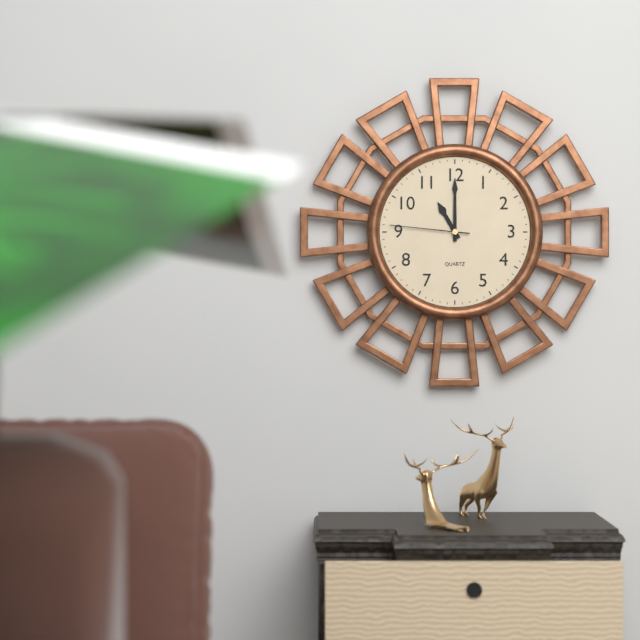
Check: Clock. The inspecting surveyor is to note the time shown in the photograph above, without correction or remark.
11:00:46
